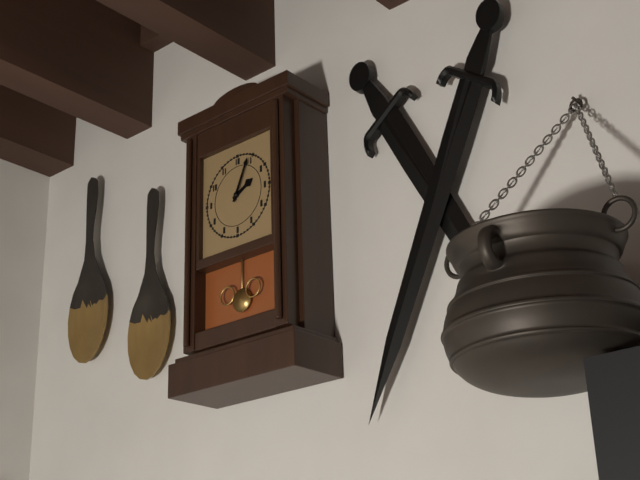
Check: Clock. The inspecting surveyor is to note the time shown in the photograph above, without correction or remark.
2:04
